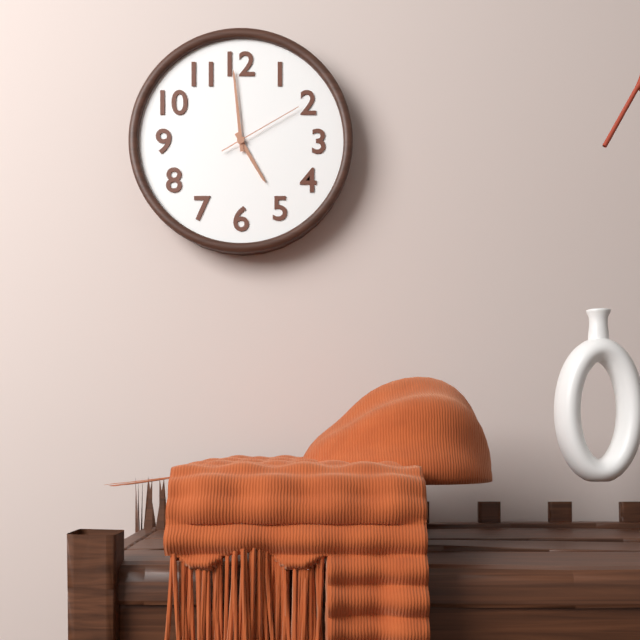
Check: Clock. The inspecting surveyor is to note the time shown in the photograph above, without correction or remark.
4:59:10
